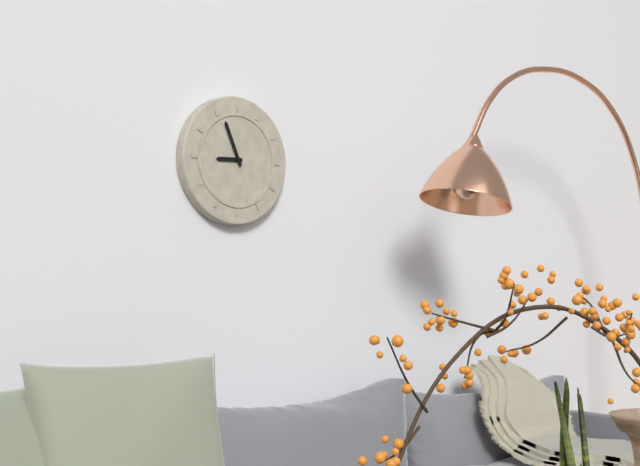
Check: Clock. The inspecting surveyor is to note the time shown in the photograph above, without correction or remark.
8:56
